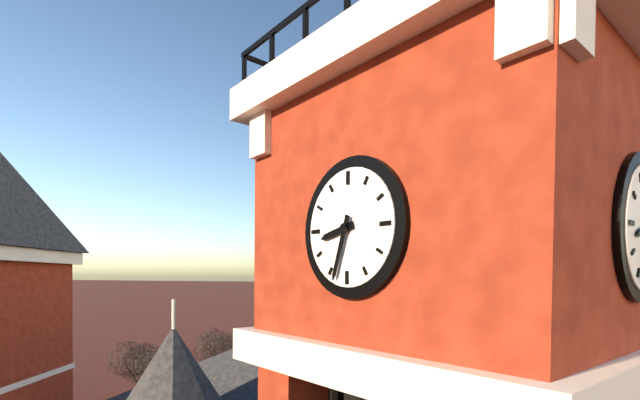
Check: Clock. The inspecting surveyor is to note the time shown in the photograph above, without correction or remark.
8:33
